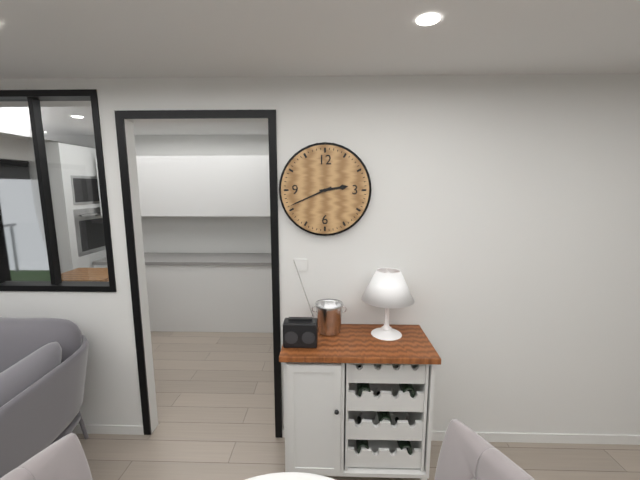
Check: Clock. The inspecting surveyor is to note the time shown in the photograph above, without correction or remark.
2:41
